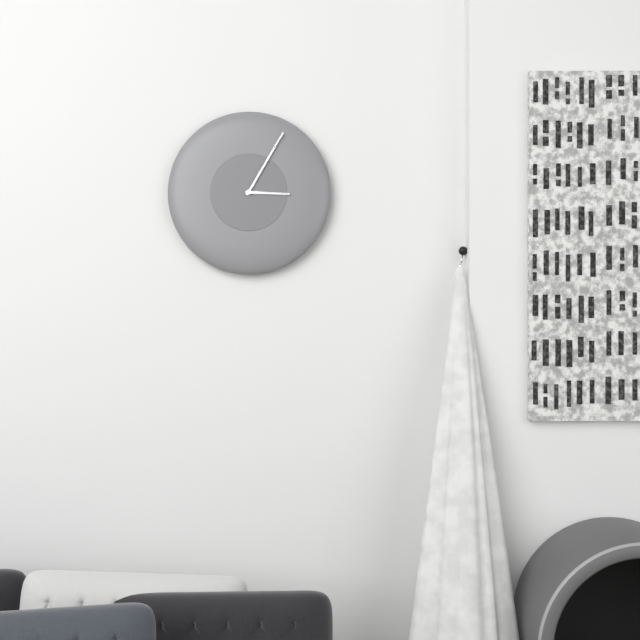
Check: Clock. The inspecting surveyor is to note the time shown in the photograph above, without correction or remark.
3:05
